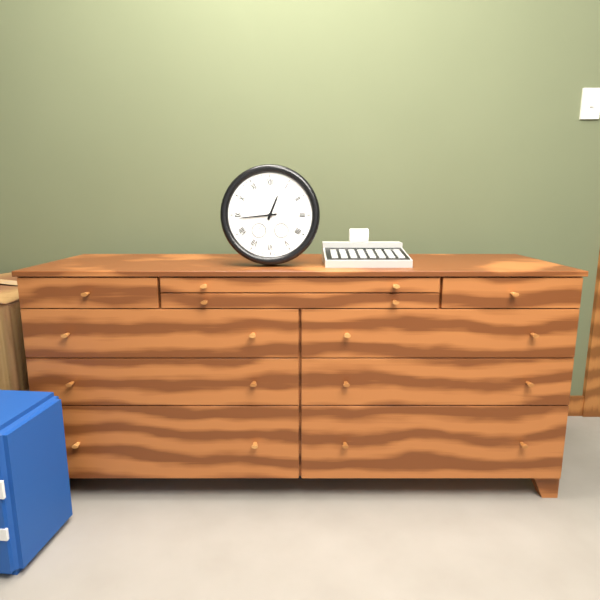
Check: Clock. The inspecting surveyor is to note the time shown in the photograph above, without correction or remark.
12:44
